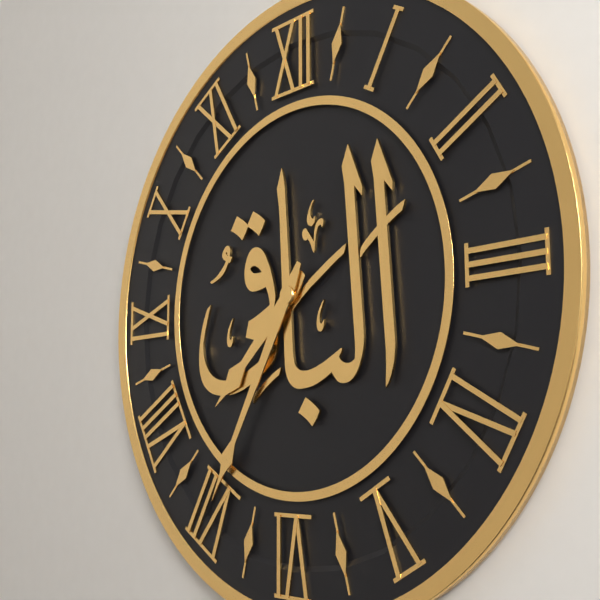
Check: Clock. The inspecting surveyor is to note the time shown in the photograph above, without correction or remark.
7:35
